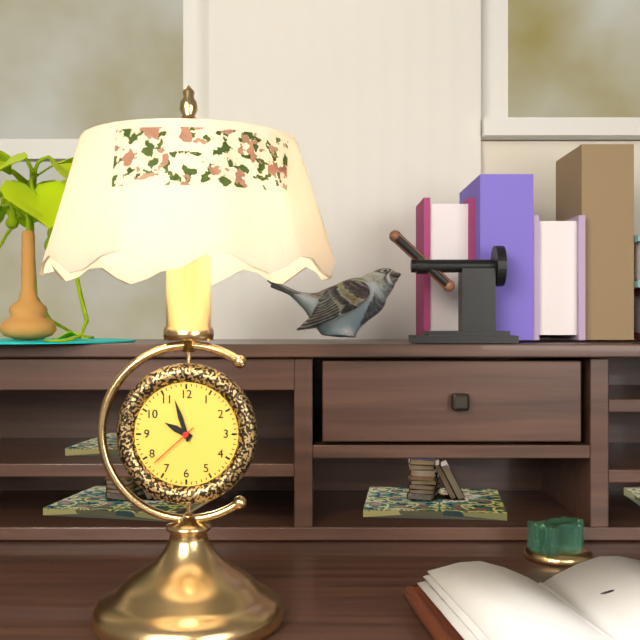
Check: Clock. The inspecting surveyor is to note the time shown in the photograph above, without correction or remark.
9:57:38
